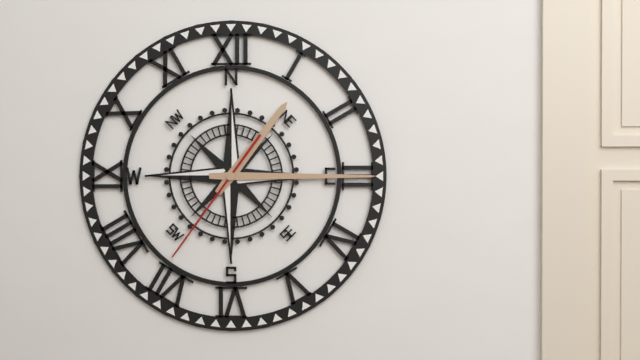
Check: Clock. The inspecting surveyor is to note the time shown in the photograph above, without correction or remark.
1:15:36
